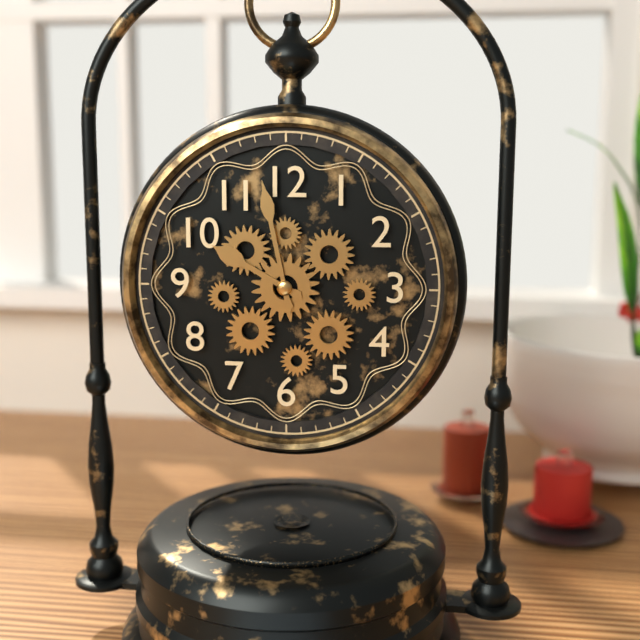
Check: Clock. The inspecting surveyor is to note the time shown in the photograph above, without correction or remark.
9:58
